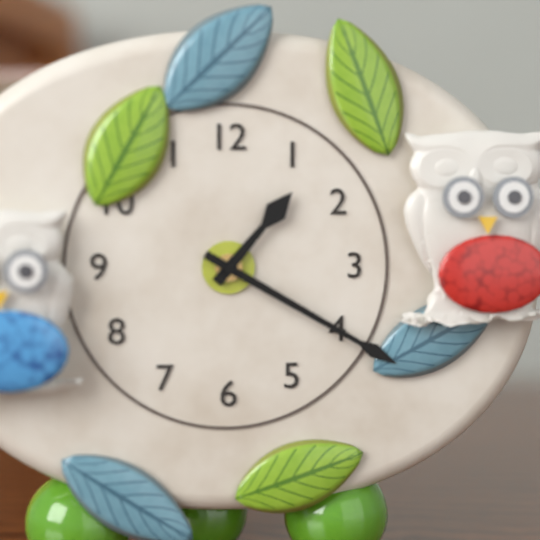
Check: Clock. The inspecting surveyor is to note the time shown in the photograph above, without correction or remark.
1:20
